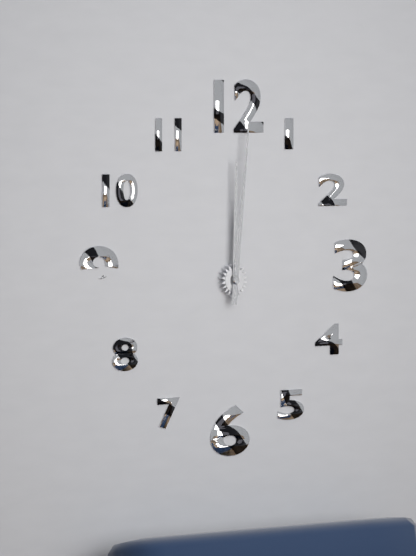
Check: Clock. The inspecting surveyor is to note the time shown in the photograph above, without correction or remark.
12:01
